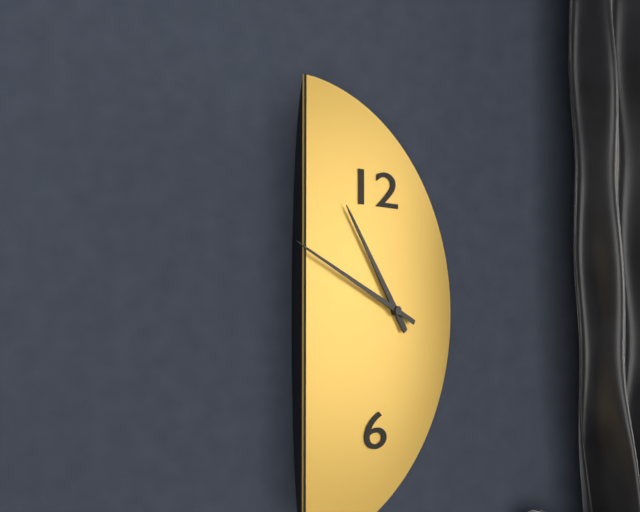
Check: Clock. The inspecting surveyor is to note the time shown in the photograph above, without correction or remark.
10:49
